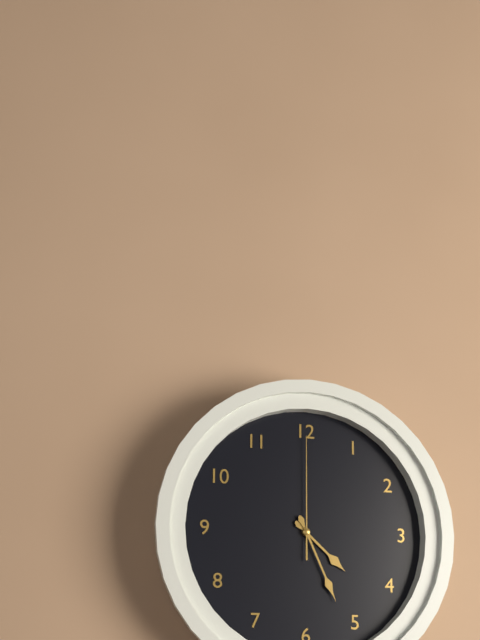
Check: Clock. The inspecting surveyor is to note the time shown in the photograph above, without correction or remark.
4:26:00
